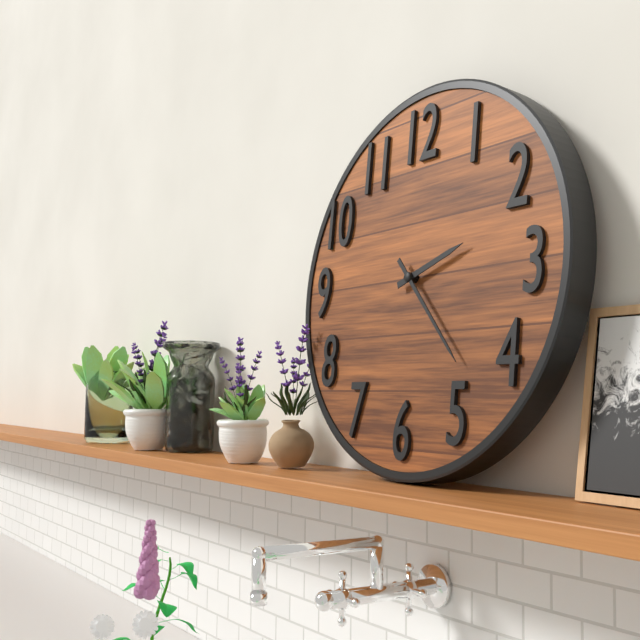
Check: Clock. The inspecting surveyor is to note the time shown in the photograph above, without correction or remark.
2:23
